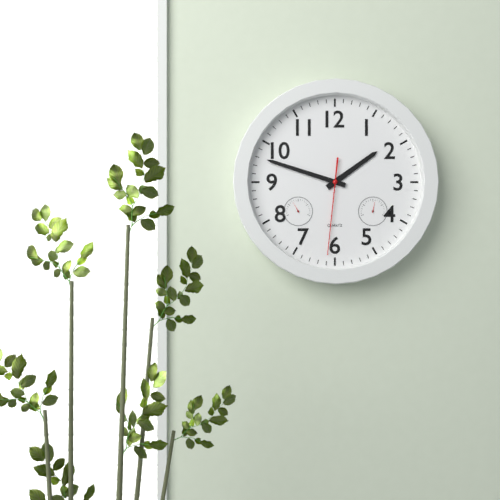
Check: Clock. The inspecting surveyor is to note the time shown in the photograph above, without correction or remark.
1:48:31
